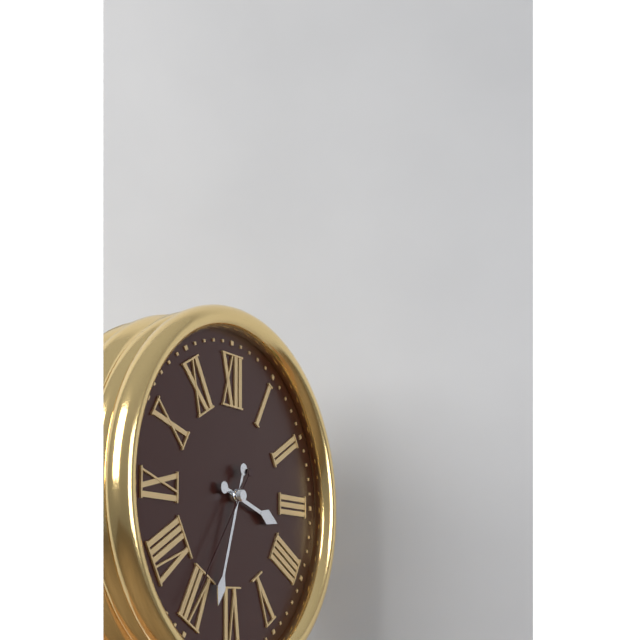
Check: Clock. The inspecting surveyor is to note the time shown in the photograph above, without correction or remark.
3:33:36
